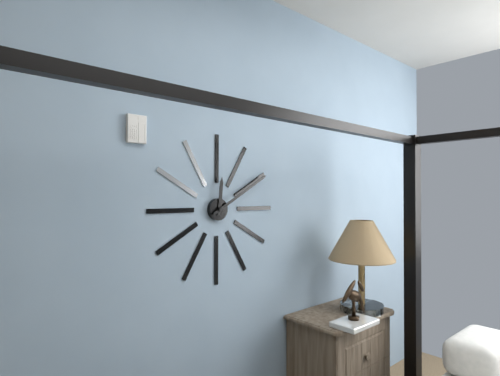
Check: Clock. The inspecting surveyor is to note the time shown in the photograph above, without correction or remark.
12:10
